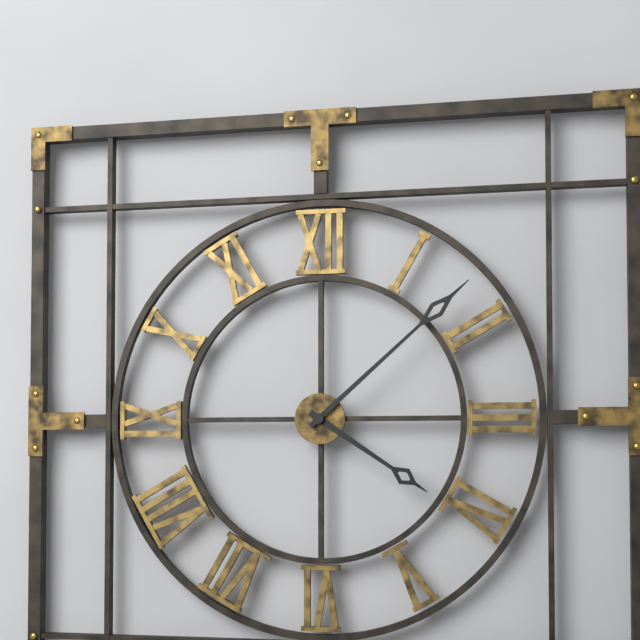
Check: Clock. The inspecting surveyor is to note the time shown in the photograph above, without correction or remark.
4:08
